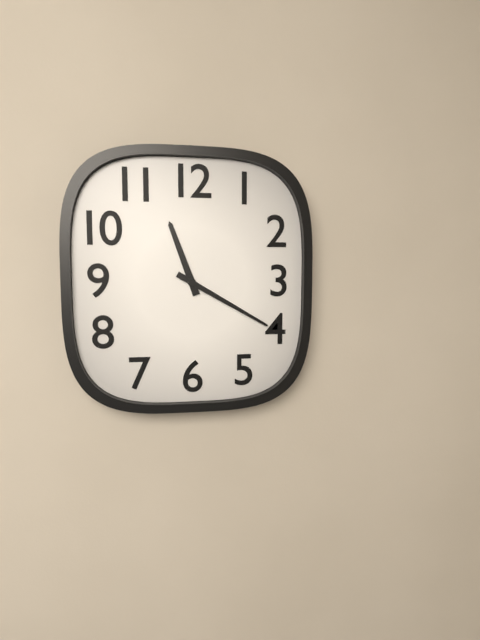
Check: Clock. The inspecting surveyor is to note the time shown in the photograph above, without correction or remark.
11:20
